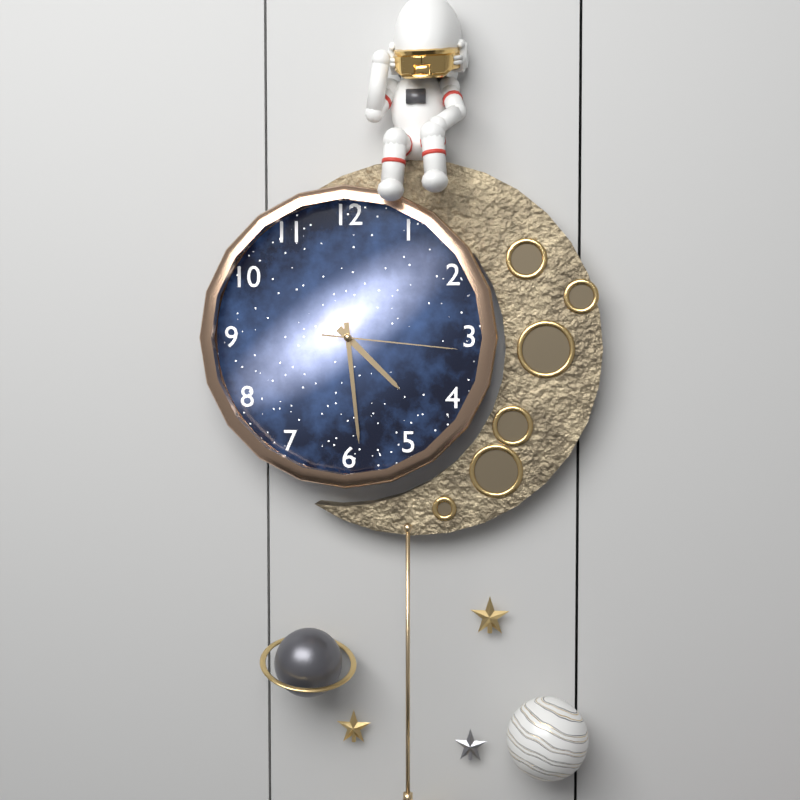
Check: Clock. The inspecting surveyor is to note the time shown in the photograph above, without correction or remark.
4:29:16
